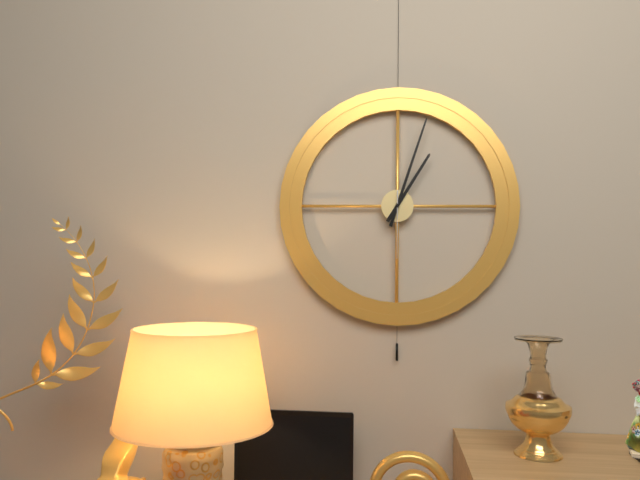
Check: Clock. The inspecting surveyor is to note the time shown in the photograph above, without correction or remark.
1:03:30
